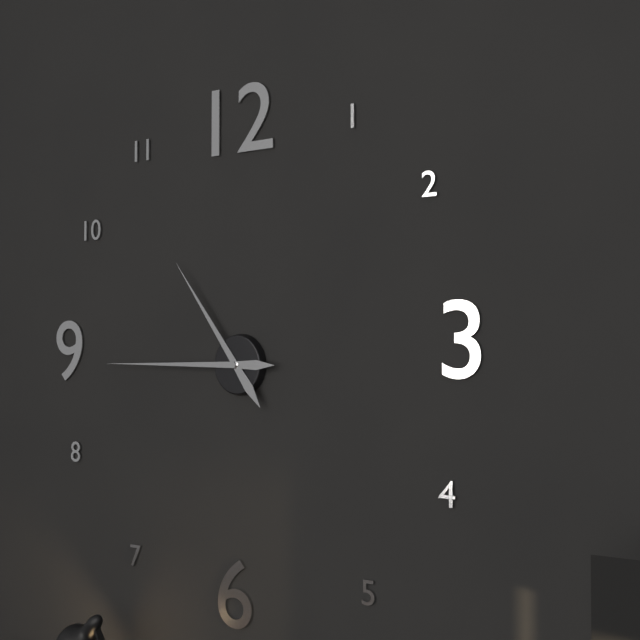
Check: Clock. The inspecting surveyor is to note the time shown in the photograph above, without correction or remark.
10:45
